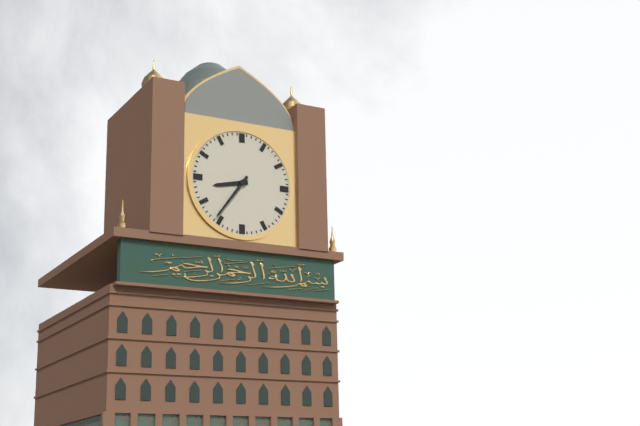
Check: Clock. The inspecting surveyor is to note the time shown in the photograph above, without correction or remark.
8:36
